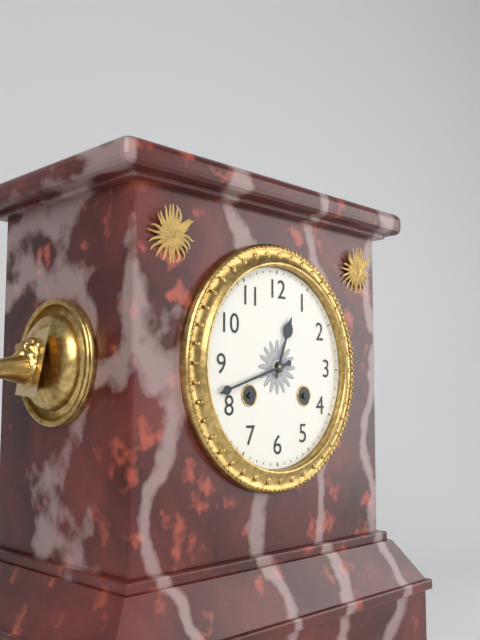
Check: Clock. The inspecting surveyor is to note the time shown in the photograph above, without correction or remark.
12:42
